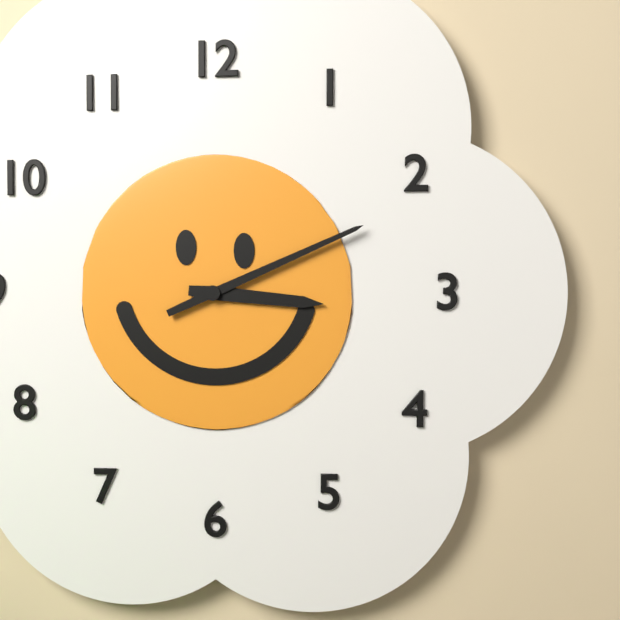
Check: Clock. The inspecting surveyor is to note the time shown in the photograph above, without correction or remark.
3:11
